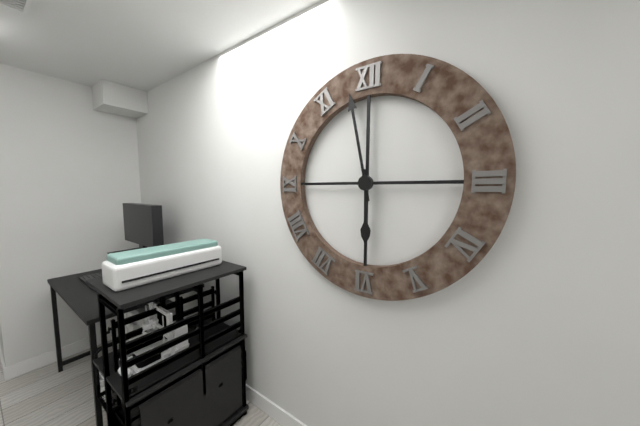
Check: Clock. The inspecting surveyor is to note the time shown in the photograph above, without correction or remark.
5:58
